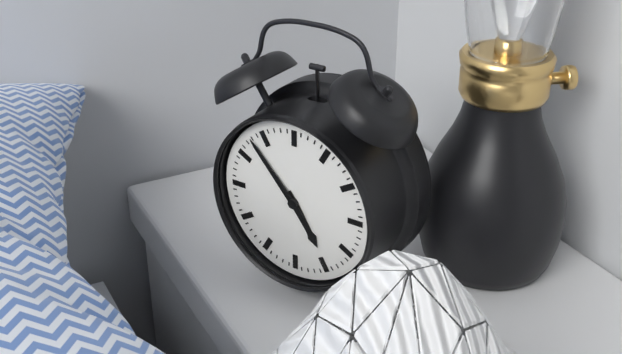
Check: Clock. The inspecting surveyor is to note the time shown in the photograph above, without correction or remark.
4:53
